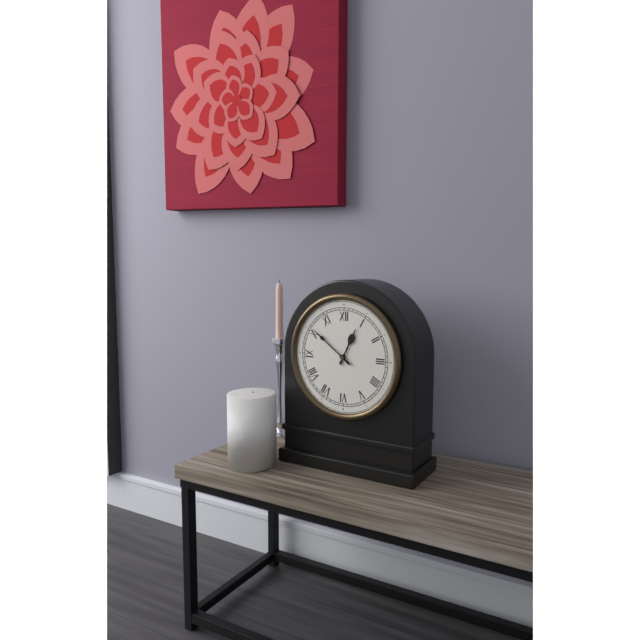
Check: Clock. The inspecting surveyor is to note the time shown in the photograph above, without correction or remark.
12:51
